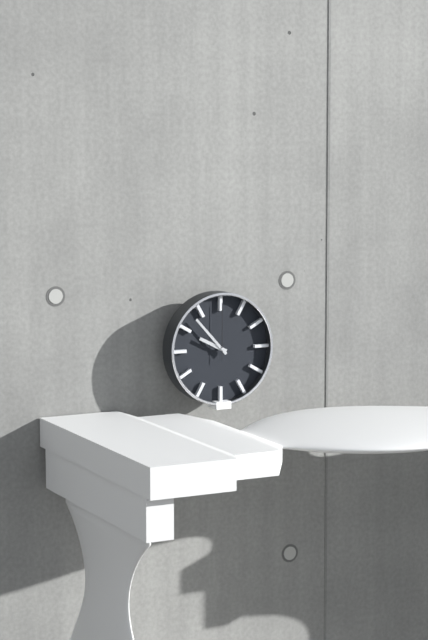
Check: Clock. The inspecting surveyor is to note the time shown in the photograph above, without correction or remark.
9:53:00
